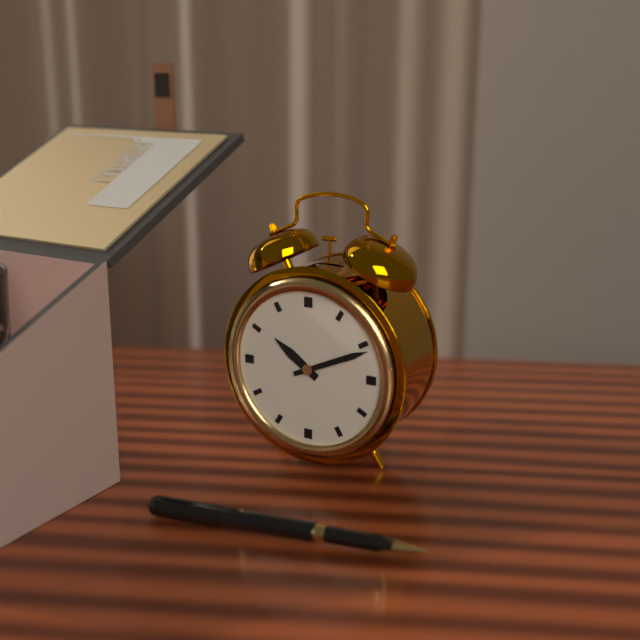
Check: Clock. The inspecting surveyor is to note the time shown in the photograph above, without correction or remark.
10:11
